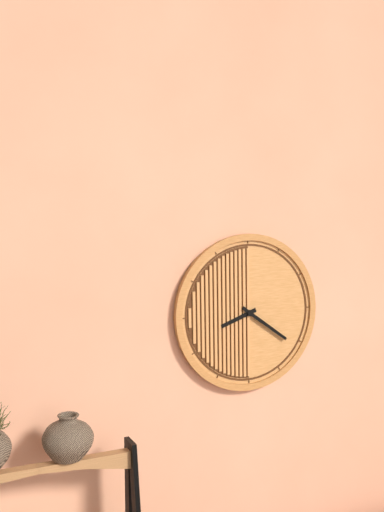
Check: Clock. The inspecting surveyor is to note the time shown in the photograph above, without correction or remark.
8:21
